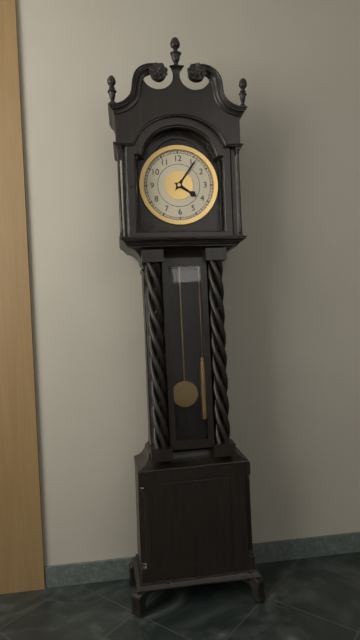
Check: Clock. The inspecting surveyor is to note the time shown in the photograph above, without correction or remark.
4:06
